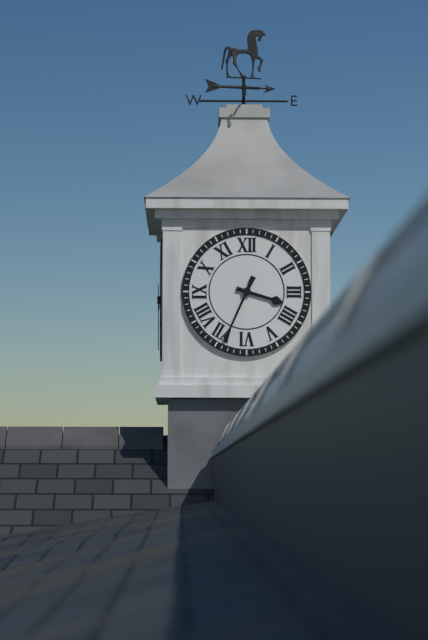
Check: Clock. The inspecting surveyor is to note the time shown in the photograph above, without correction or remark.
3:34
